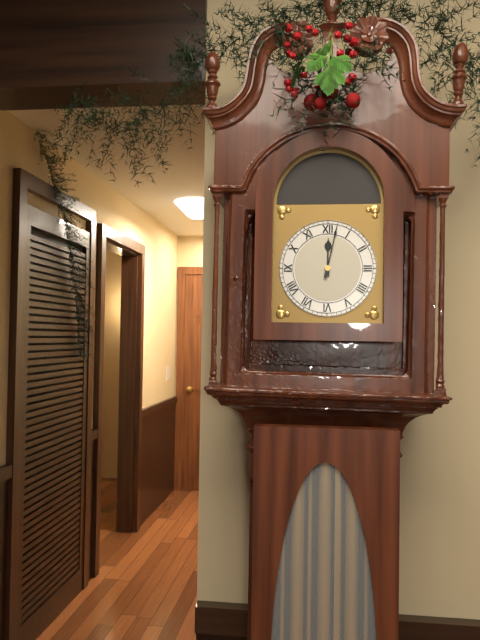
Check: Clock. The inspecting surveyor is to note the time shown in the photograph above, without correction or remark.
12:02
